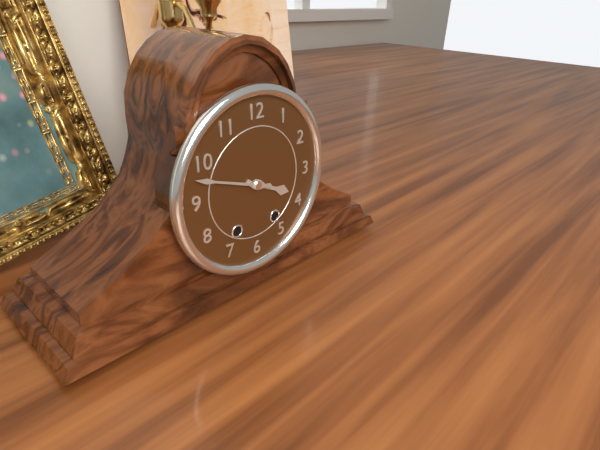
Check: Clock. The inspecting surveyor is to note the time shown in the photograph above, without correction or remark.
3:48
